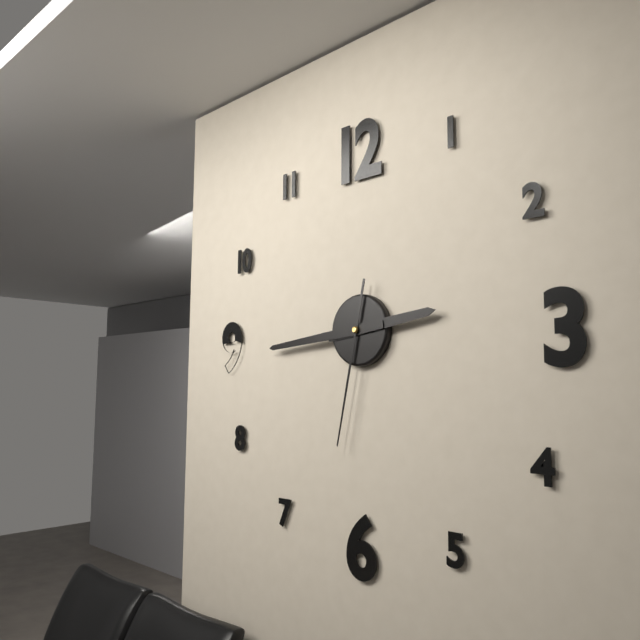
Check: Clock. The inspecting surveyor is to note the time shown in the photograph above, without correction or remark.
2:44:32
